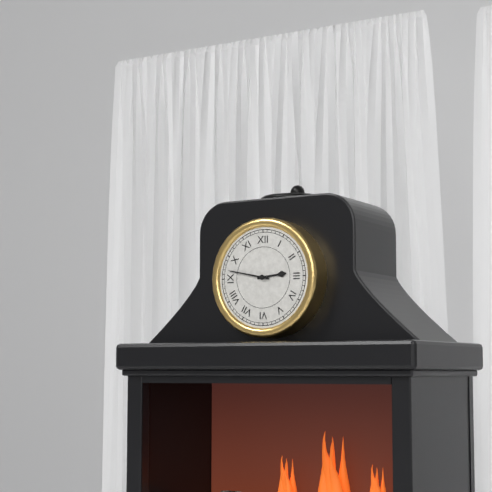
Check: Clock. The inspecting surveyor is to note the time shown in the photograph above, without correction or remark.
2:47
